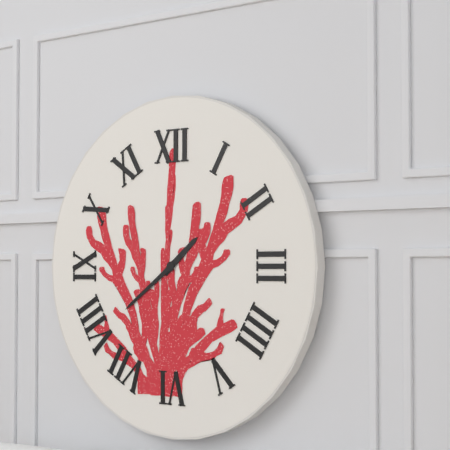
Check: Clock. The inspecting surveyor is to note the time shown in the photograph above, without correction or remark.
1:39
